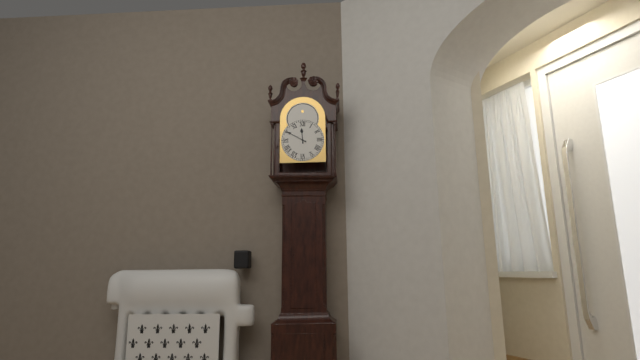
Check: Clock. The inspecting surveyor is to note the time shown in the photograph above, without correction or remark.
11:50
